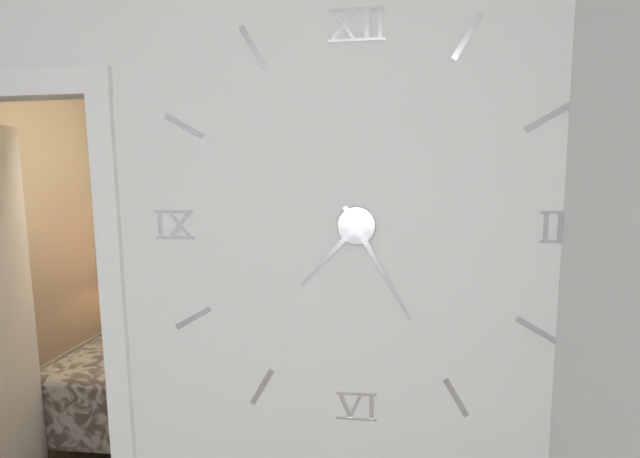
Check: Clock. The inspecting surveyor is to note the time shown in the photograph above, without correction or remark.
7:25
